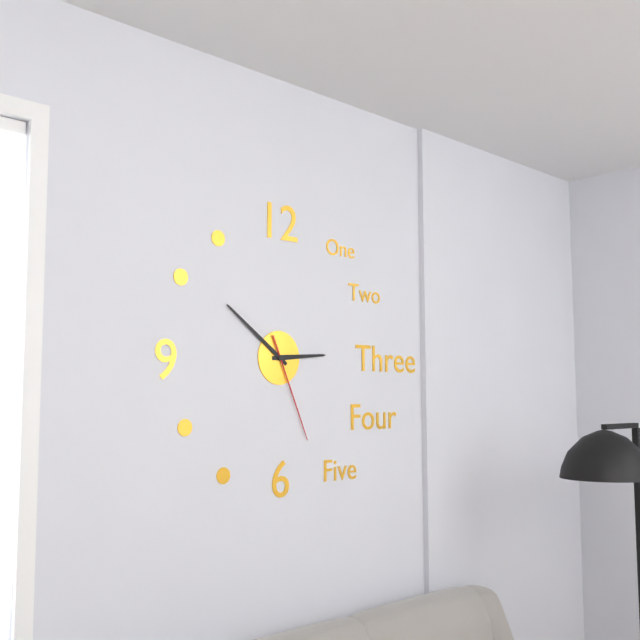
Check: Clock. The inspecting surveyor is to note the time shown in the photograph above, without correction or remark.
2:51:26
